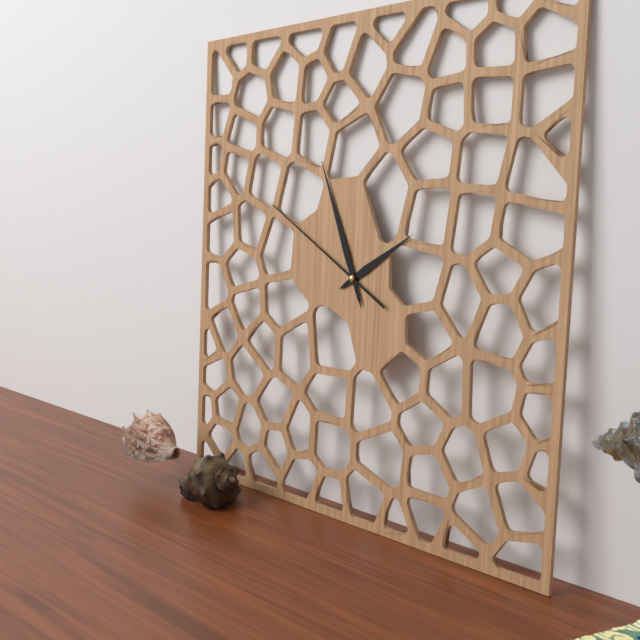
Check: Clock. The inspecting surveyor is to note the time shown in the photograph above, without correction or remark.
1:56:50
